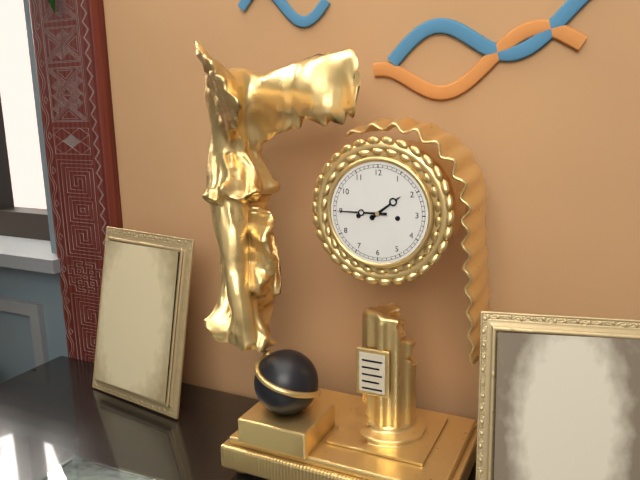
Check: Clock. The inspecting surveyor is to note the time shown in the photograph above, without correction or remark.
1:45
